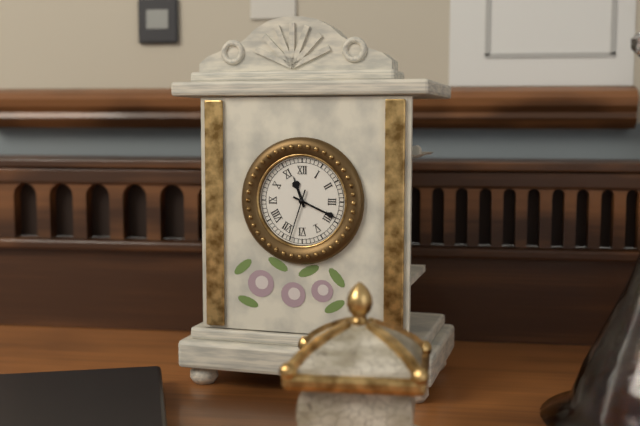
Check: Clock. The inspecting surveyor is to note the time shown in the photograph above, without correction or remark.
11:19:33
